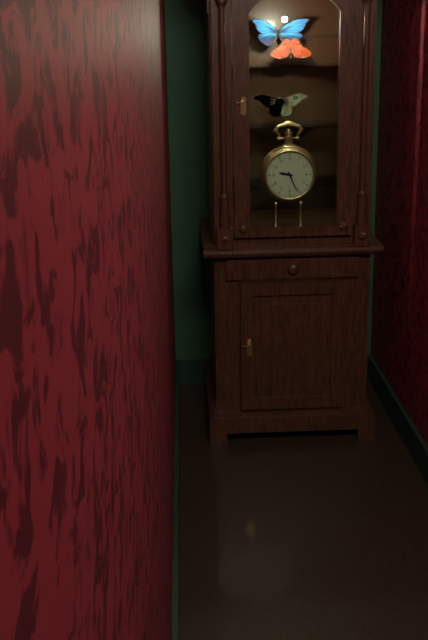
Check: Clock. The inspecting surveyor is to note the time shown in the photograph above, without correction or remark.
9:26
